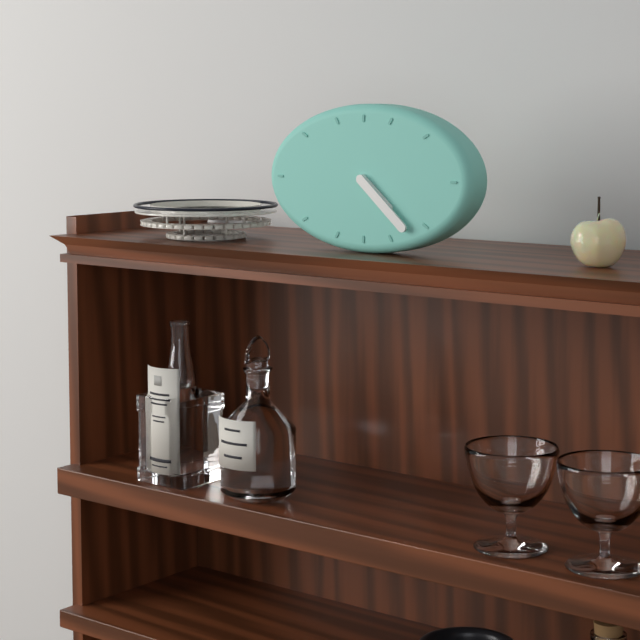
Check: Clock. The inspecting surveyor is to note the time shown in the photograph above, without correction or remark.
4:22
